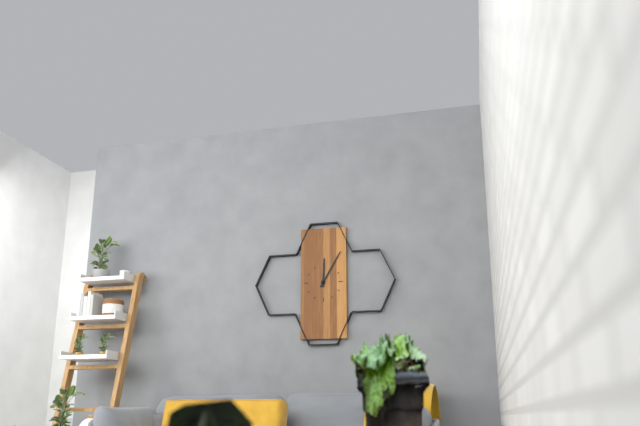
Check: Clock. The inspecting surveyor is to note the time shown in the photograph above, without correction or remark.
12:05
